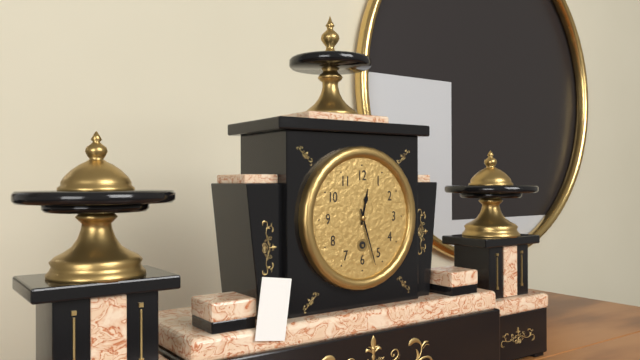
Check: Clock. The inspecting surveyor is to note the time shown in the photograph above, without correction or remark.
12:27
